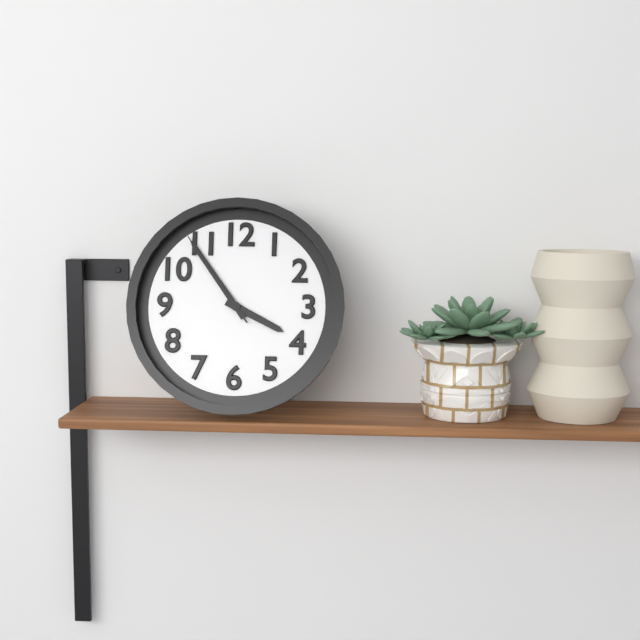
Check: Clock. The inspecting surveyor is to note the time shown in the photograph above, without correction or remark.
3:54:54
